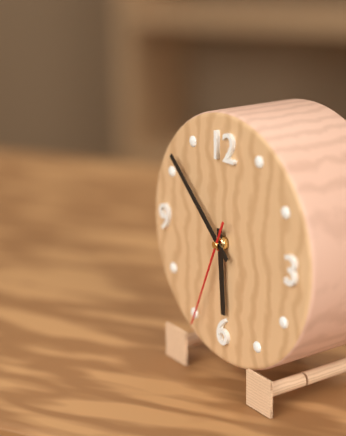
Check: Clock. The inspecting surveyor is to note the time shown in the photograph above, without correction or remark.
5:52:34
